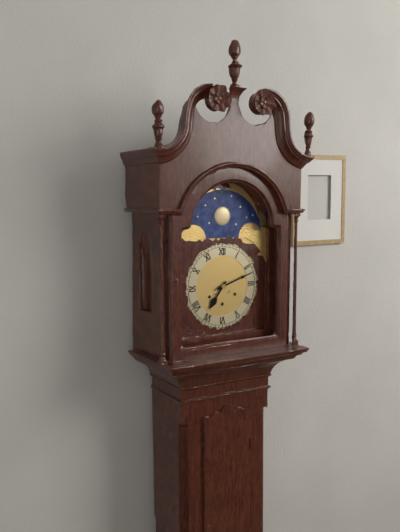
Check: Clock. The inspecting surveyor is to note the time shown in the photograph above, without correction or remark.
7:12
